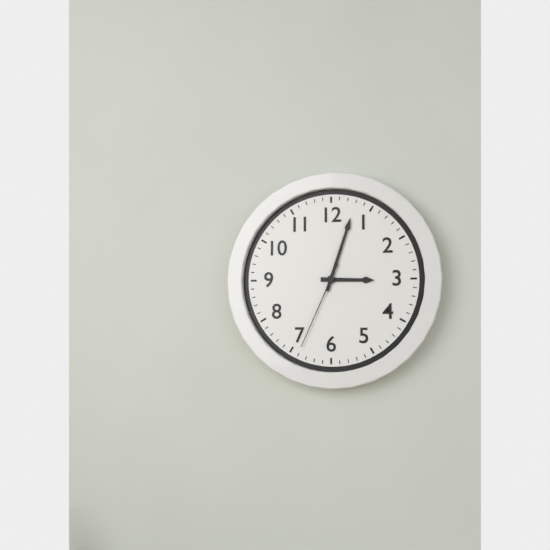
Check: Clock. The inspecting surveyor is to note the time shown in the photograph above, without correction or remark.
3:03:34
